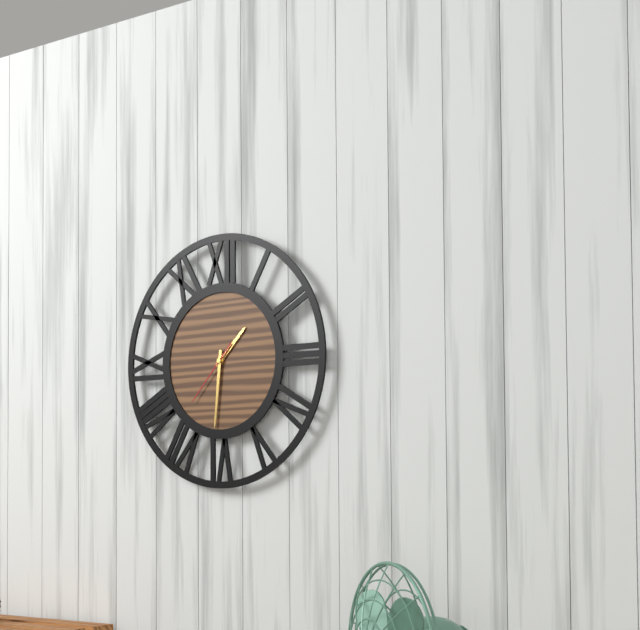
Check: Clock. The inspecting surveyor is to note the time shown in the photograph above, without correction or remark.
1:31:37
